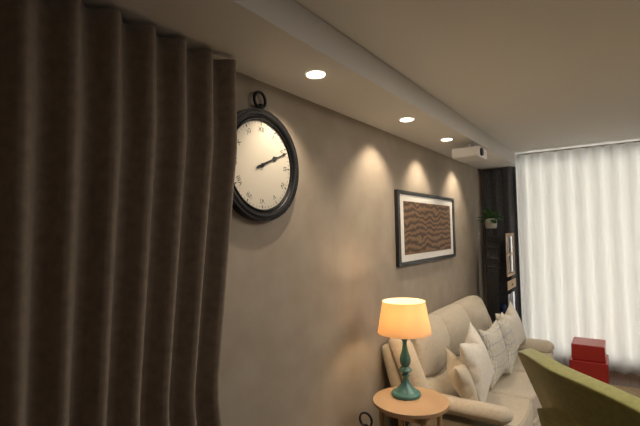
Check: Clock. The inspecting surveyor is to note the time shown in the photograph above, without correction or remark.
2:11
